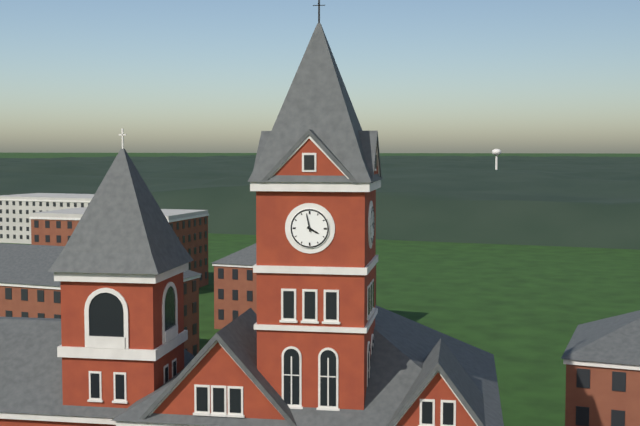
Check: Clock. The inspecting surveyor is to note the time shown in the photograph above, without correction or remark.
3:58
